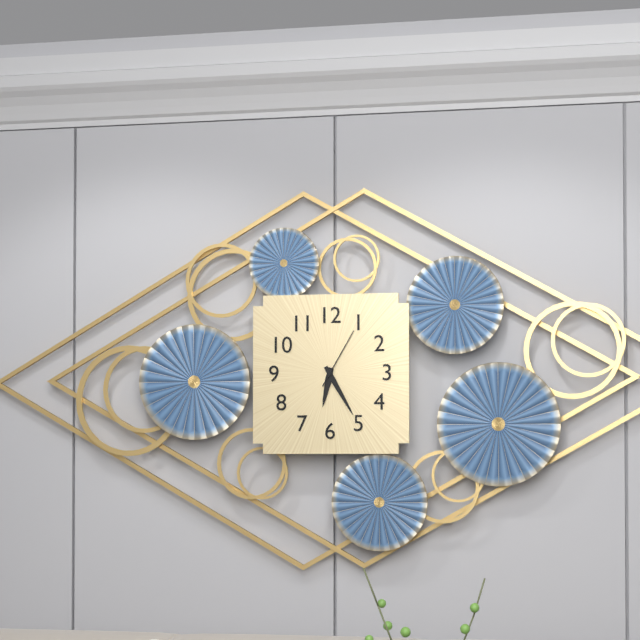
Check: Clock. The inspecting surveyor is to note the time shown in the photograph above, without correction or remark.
6:25:05
